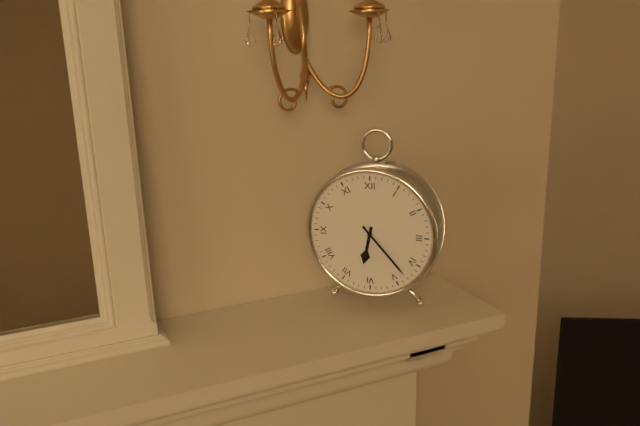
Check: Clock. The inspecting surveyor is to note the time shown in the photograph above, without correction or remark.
6:23
